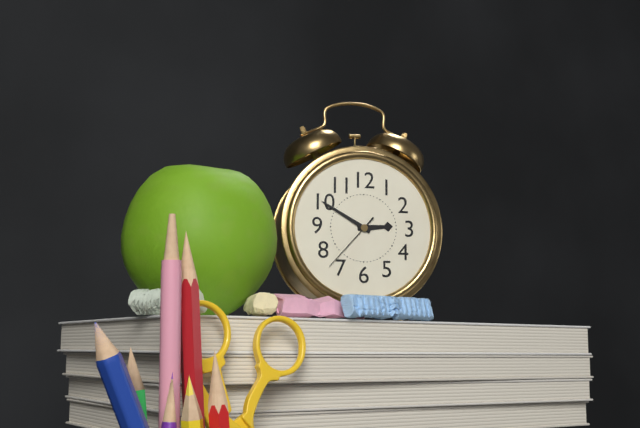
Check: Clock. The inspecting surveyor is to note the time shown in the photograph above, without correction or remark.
2:50:37
